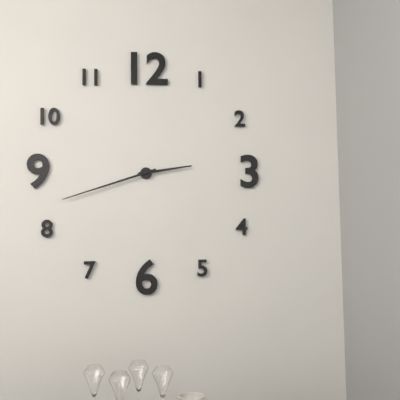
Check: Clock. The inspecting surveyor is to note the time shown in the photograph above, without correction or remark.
2:42
